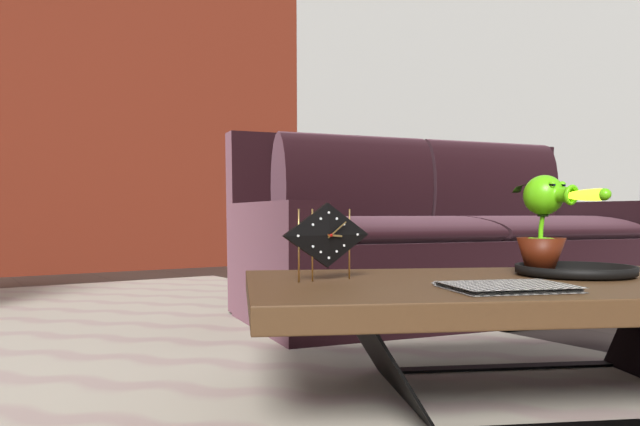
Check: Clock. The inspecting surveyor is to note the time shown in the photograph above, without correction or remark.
3:09
